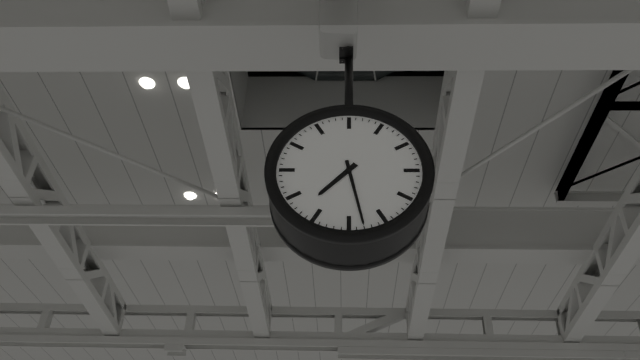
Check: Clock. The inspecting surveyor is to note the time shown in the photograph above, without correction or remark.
7:28
